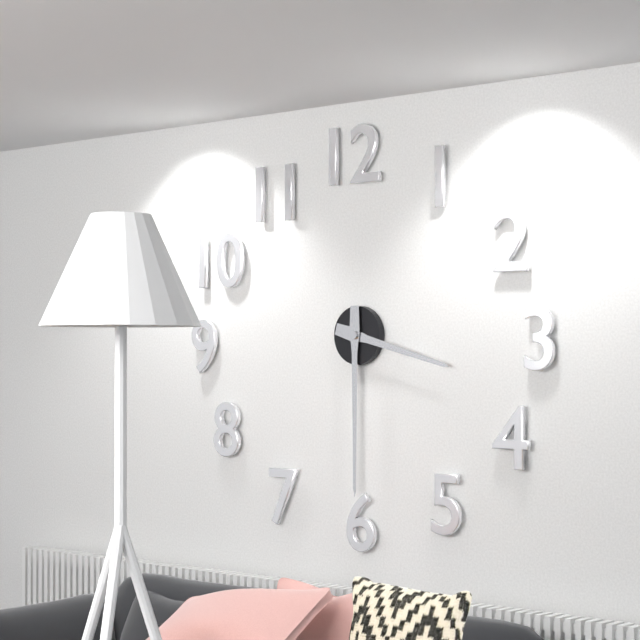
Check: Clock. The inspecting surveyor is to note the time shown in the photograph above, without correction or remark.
3:30
